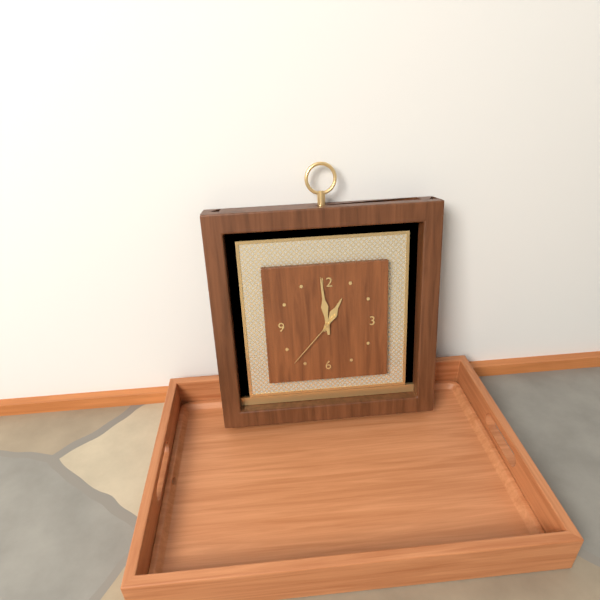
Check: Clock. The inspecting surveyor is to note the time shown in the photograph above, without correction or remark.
12:59:37
